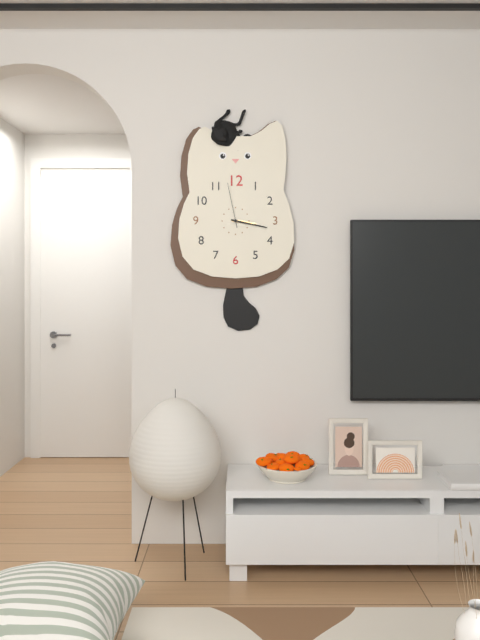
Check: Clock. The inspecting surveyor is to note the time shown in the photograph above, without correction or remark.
3:17
